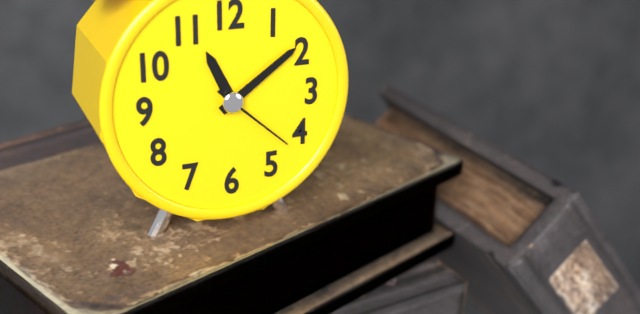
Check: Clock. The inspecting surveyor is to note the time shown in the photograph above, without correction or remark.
11:09:22
